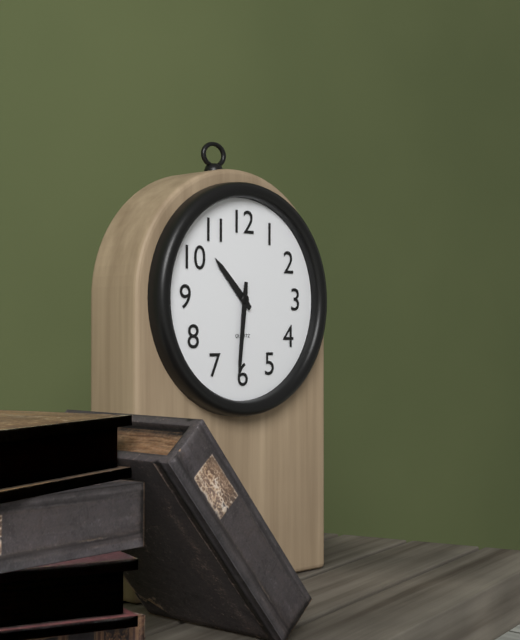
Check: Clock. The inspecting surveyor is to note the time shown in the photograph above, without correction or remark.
10:31
